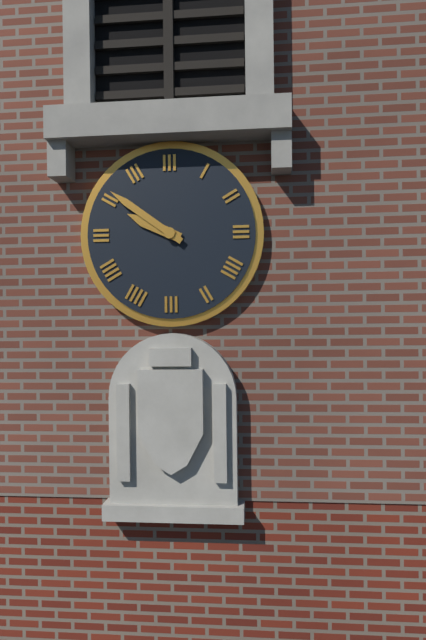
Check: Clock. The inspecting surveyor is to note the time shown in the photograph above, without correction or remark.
9:51
